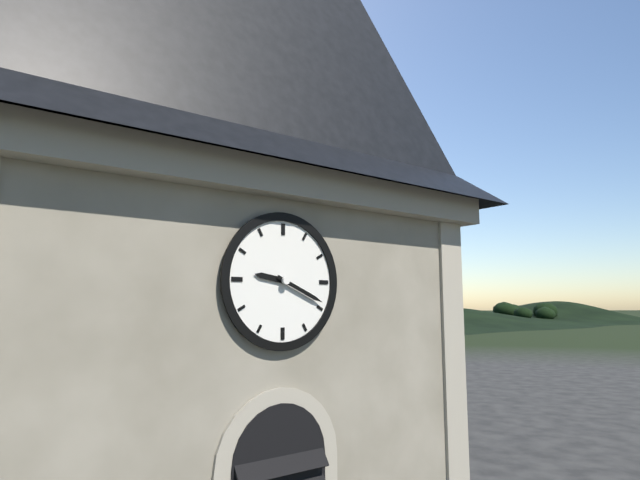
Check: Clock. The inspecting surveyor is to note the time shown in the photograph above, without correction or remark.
9:19
